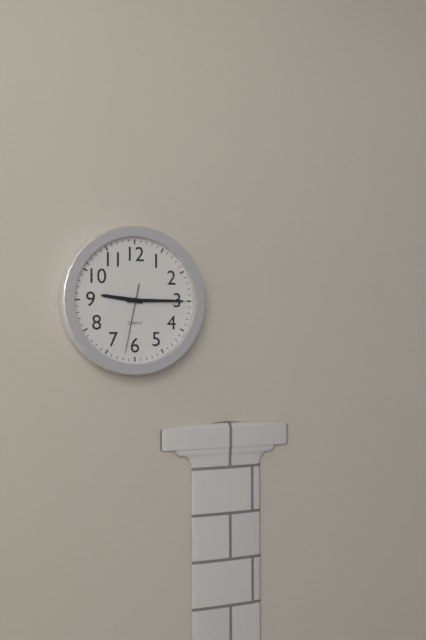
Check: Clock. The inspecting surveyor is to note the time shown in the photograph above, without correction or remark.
9:15:32
